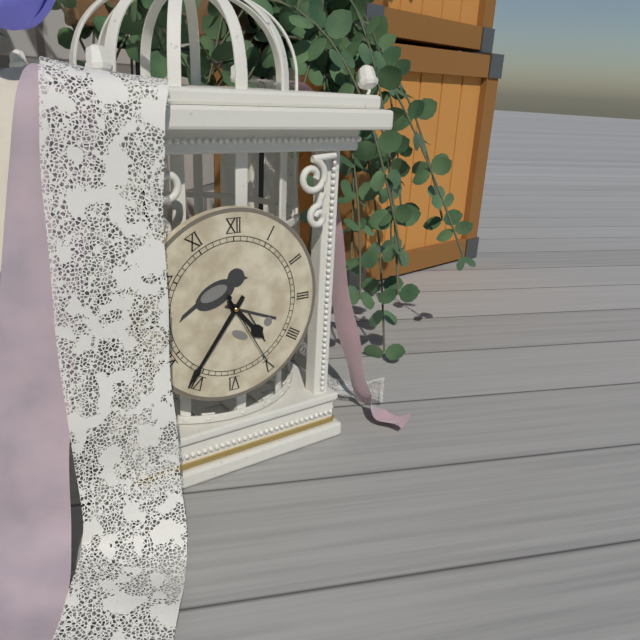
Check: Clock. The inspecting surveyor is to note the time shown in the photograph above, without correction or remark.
4:36:25
